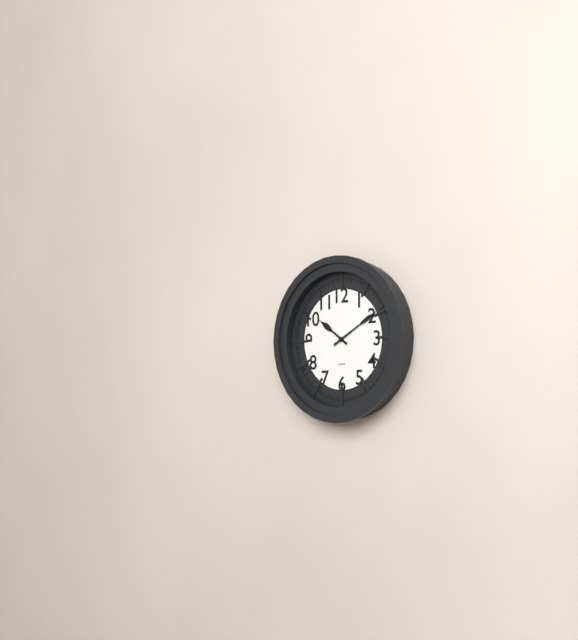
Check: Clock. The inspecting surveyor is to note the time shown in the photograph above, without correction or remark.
10:10
